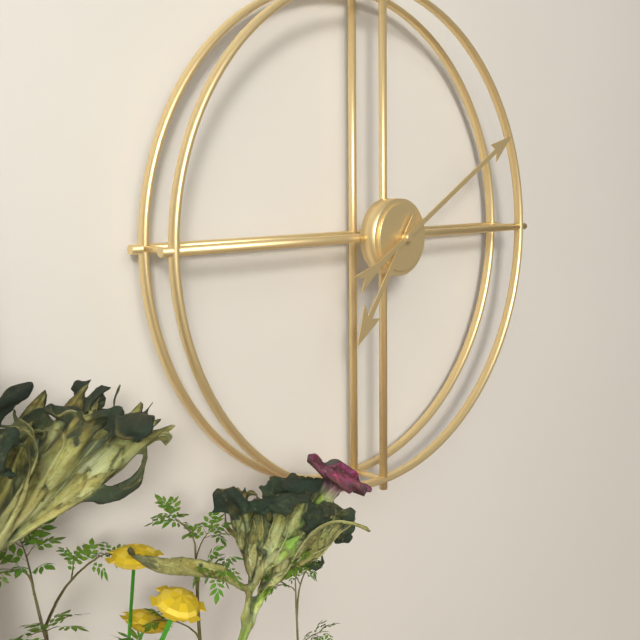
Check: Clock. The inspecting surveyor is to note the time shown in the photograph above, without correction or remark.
7:10
